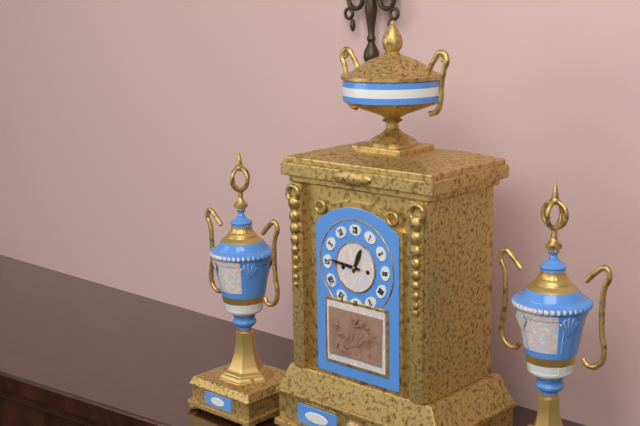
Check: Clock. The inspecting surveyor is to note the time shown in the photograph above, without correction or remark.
12:46
